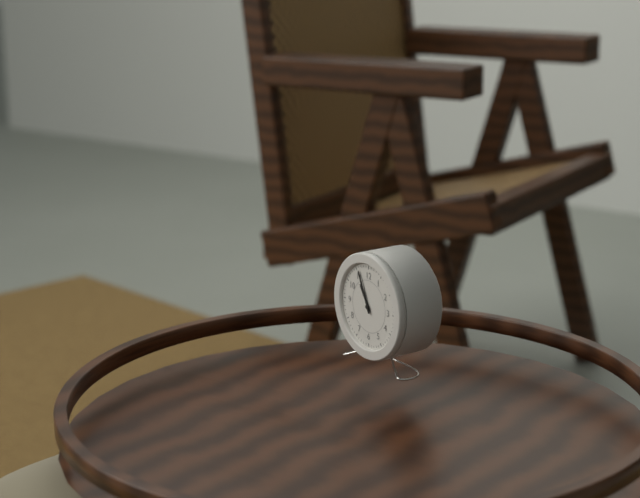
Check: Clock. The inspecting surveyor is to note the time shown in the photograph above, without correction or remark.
10:56
